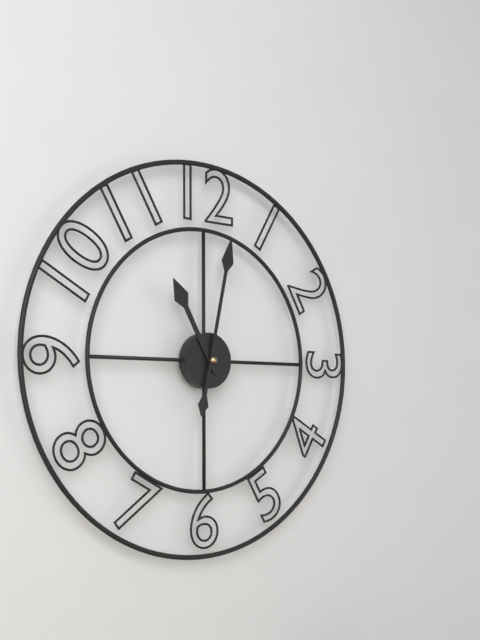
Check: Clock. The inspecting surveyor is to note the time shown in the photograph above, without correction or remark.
11:02
